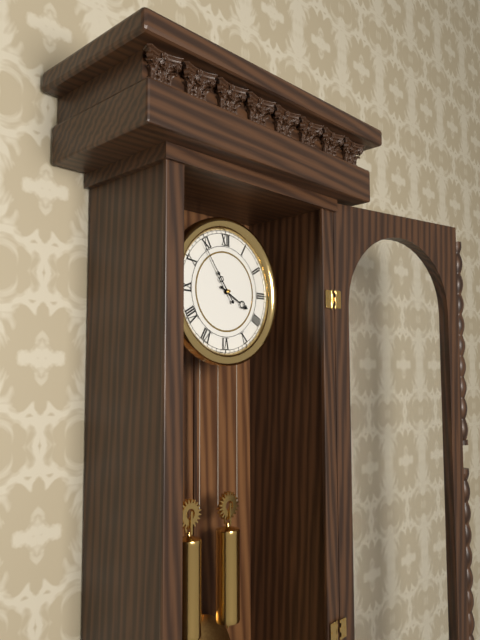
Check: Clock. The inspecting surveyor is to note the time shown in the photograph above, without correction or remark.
3:54
